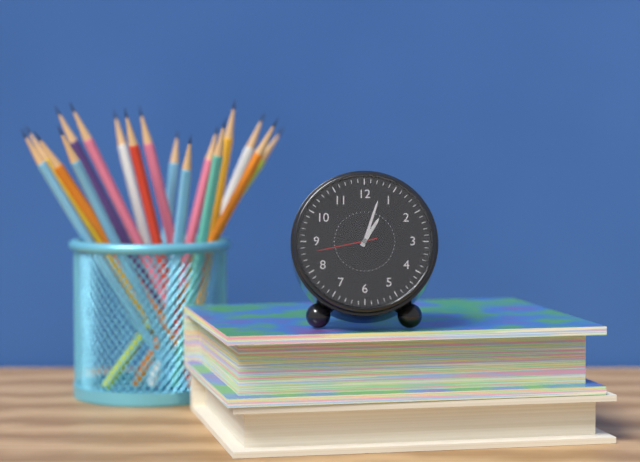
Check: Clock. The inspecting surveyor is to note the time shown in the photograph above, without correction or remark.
1:03:43
